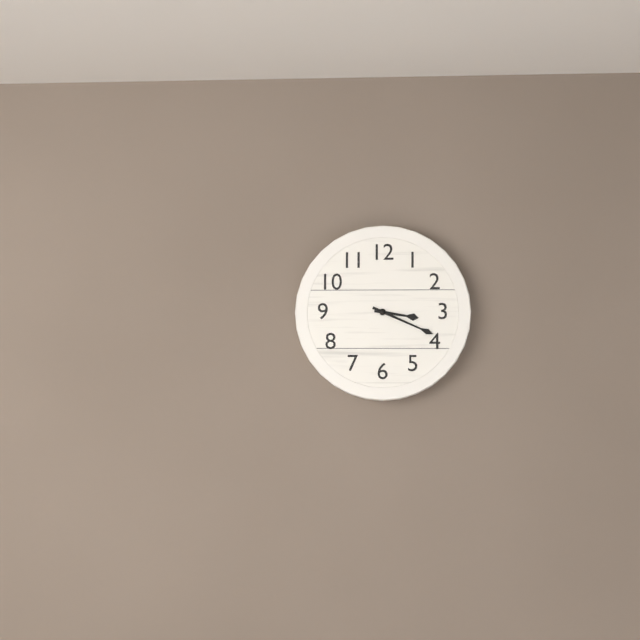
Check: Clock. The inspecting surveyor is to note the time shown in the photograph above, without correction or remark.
3:19
